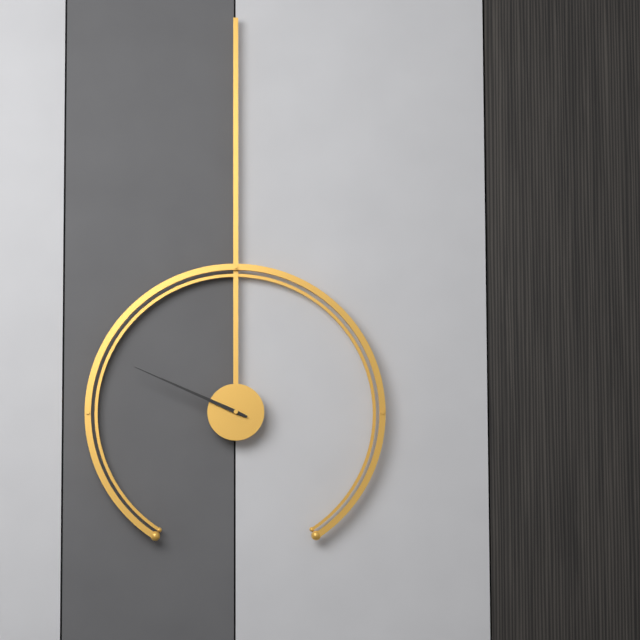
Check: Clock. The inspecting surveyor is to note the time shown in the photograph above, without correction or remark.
9:49
